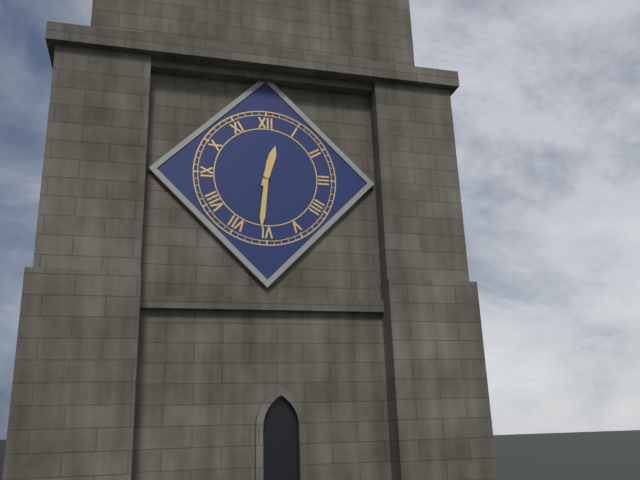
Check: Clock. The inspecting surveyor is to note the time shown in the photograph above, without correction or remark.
12:31
